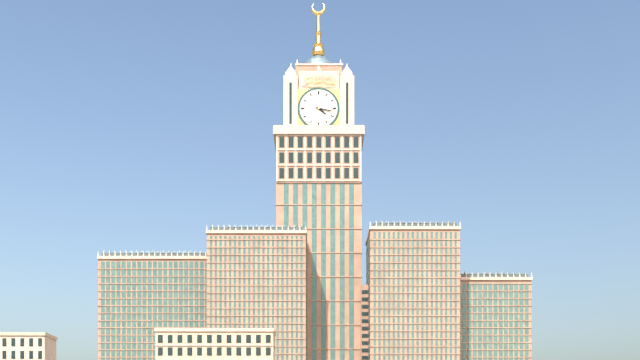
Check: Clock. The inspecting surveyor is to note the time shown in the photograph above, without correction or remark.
4:17
